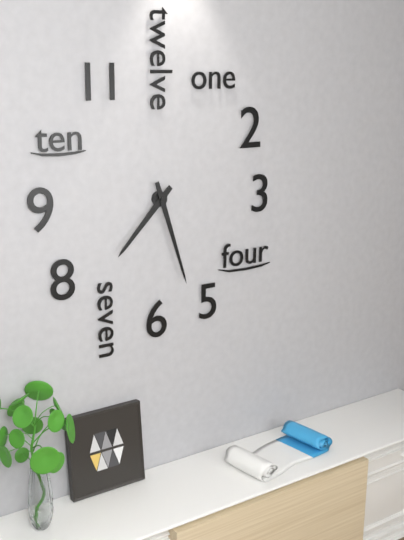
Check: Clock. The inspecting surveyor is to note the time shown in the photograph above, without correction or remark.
7:27
